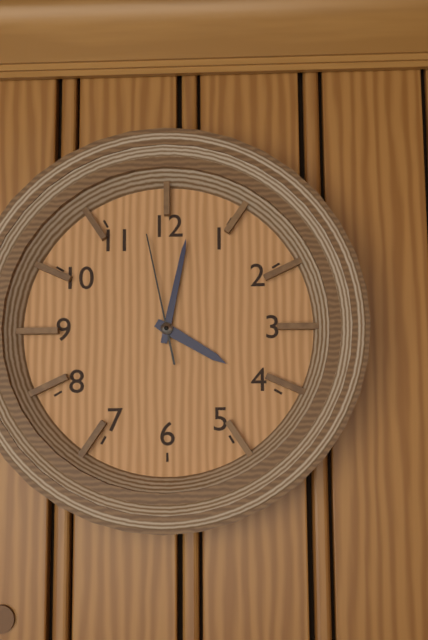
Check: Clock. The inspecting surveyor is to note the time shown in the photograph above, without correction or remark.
4:02:58
